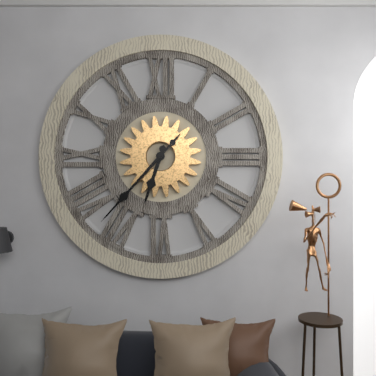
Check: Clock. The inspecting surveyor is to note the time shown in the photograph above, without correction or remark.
6:37
